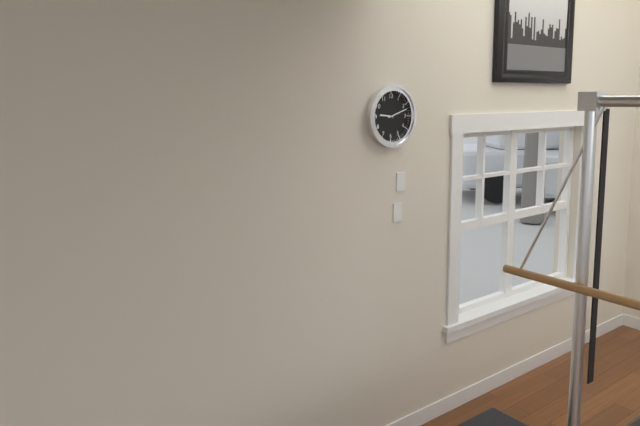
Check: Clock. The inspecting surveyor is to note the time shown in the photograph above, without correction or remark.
9:12
